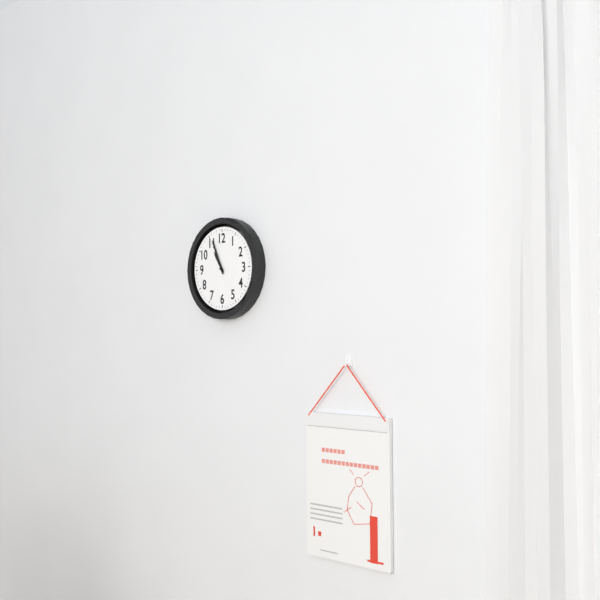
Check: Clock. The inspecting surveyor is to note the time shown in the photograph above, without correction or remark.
10:56
